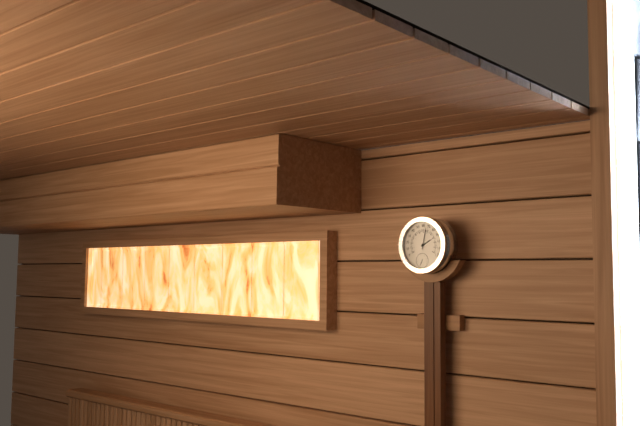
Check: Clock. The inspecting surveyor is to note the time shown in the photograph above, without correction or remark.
2:02
